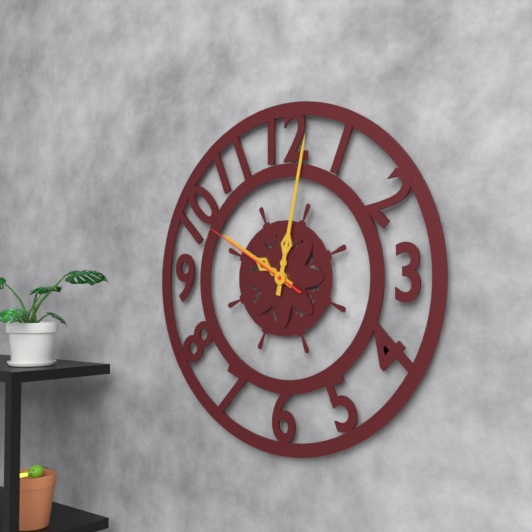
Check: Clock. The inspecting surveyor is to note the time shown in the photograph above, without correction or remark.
10:02:50
